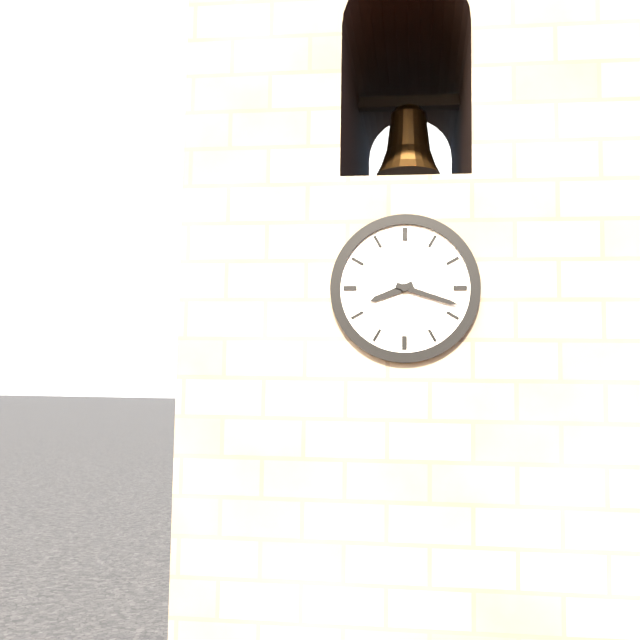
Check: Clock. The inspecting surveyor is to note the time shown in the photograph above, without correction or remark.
8:18
